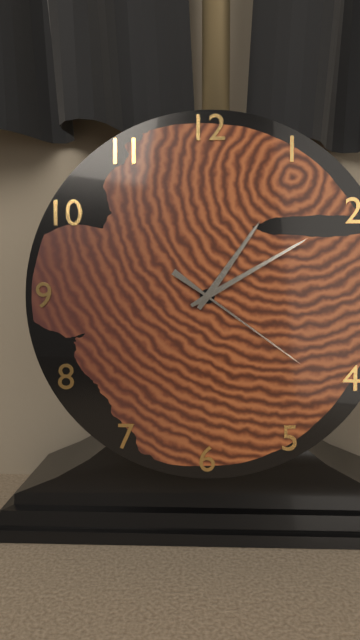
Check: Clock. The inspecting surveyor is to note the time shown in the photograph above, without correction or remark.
1:10:21
